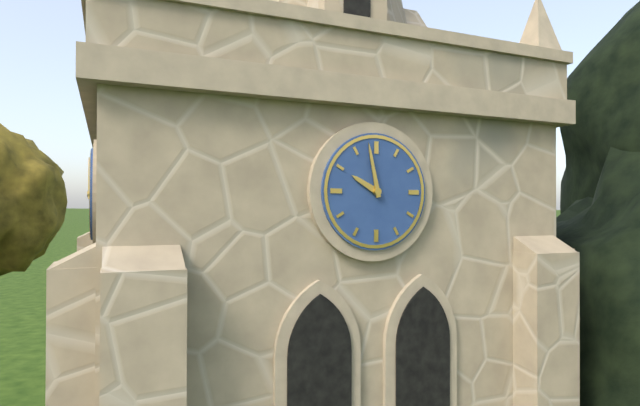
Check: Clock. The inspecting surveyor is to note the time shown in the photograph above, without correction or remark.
9:58
